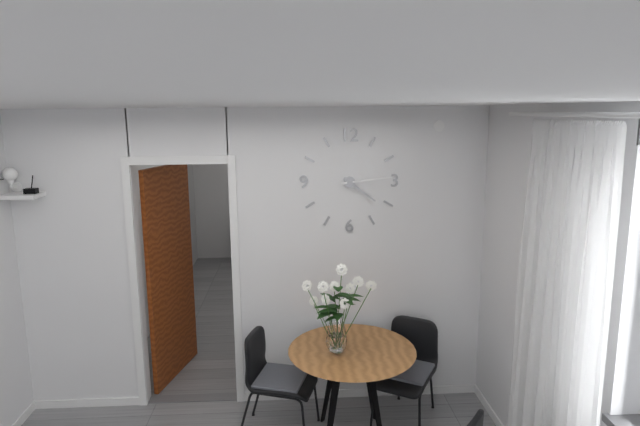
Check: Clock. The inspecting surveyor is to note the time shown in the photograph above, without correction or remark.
4:14
